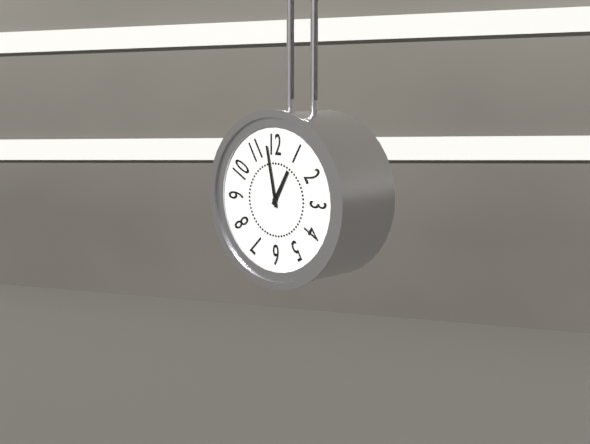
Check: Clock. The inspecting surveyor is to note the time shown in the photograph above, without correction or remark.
12:58
